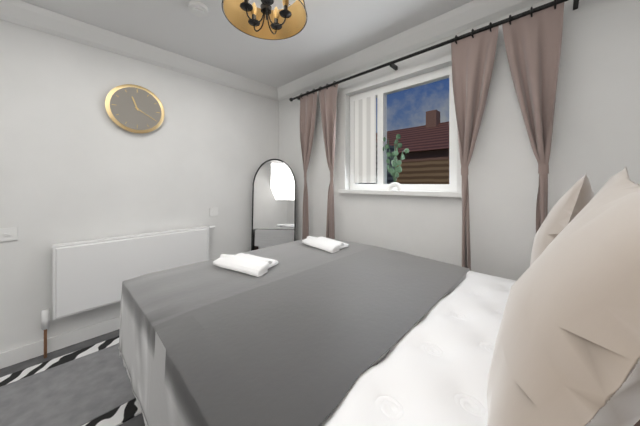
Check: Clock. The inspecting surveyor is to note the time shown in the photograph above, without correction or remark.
11:20
